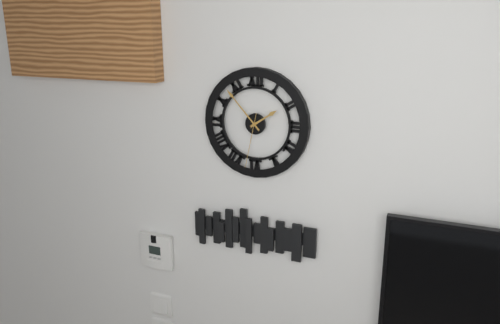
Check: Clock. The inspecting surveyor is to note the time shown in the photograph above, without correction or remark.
1:53:32
